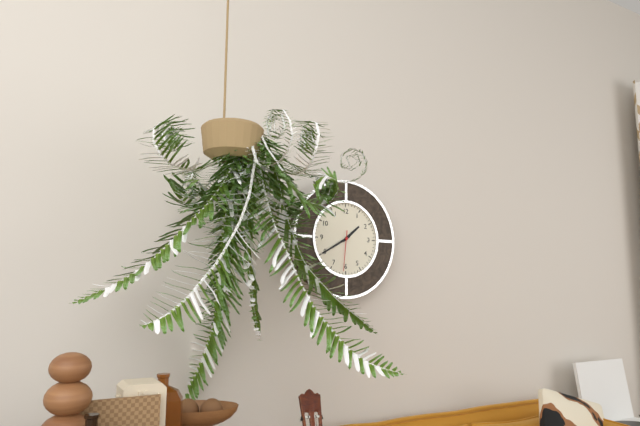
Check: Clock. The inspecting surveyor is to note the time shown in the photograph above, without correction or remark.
1:40
